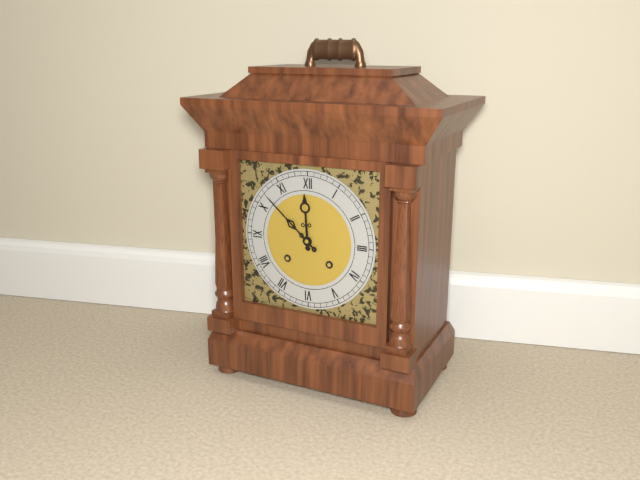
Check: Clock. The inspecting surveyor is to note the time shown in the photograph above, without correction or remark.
11:52
